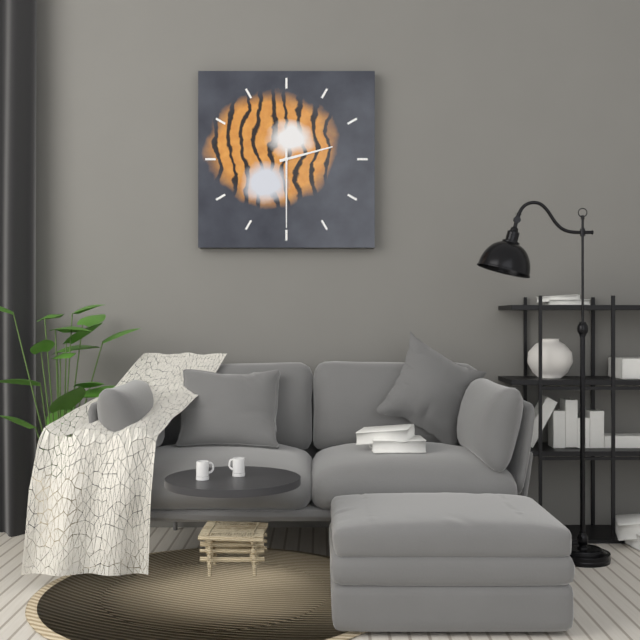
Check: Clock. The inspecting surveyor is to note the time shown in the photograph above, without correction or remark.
2:30
